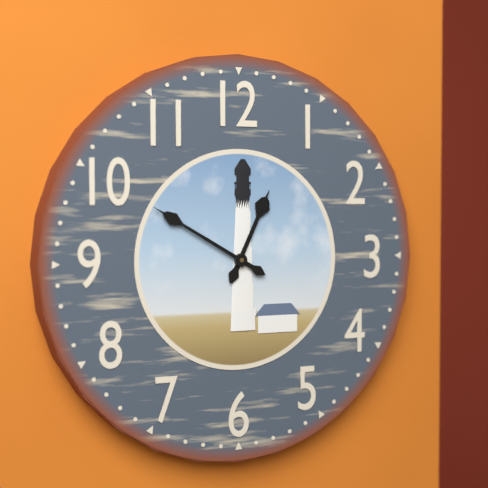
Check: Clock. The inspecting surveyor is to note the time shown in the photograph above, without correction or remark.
12:50
